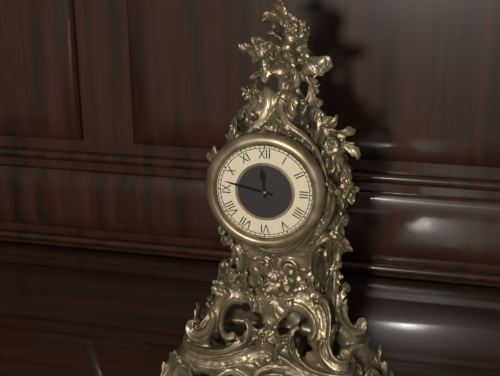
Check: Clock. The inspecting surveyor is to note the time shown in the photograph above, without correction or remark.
11:47
